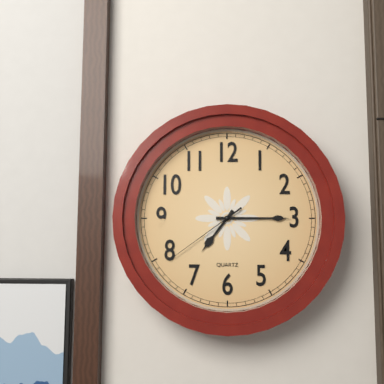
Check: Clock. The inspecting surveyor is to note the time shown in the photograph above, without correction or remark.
7:15:39
